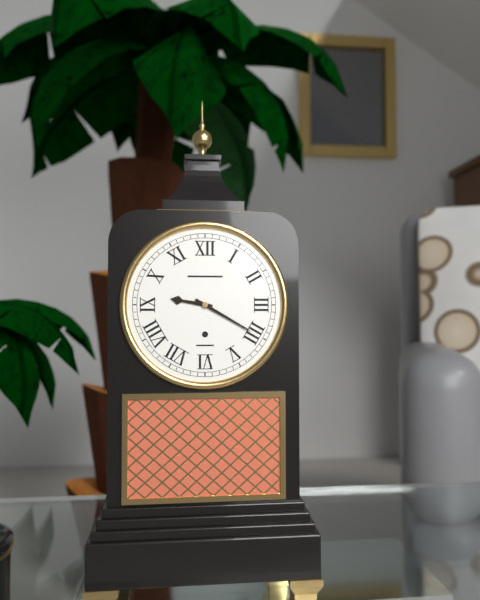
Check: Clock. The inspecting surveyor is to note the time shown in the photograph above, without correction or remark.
9:20
